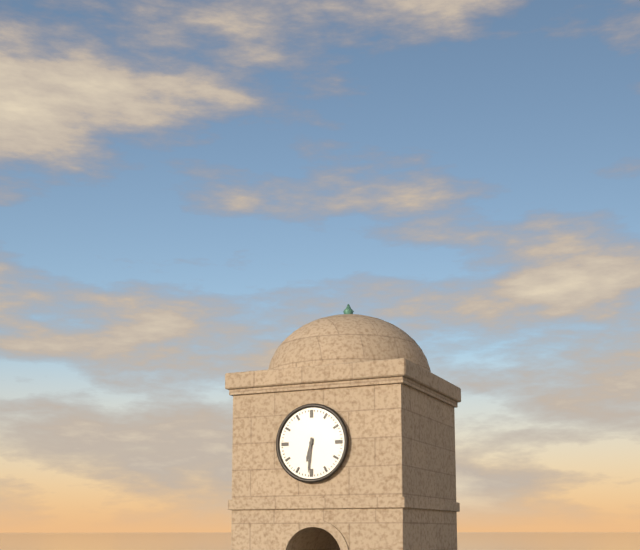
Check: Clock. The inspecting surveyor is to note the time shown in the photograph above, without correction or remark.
6:31
